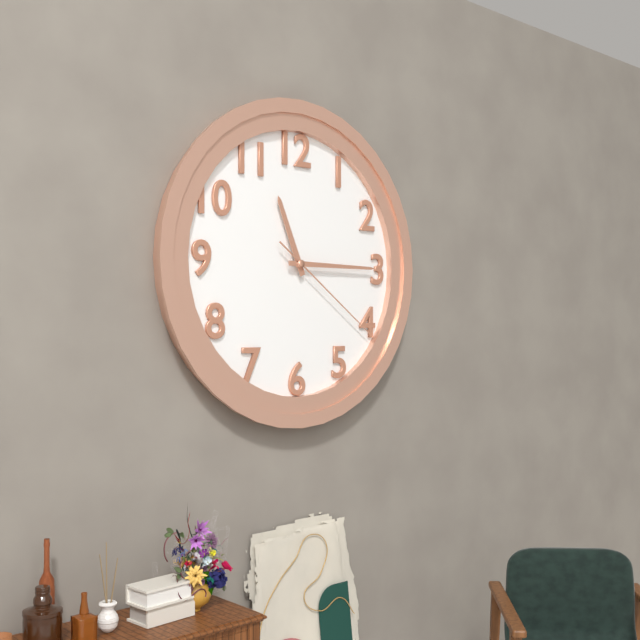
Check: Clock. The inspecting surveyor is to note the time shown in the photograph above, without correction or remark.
11:15:21
